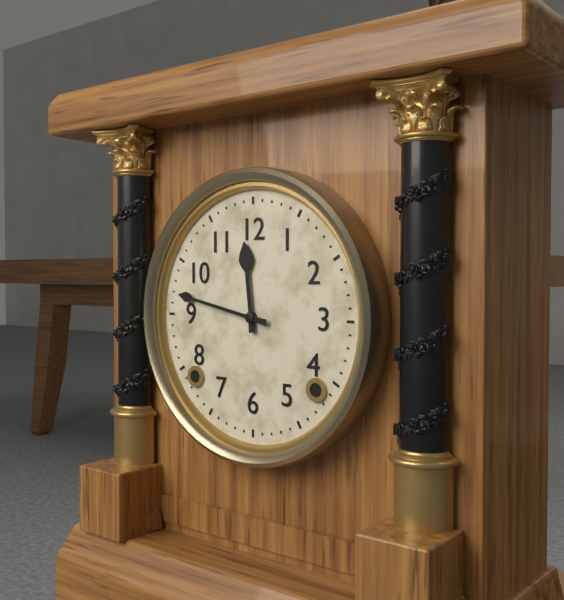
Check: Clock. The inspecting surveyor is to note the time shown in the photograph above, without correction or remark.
11:47
